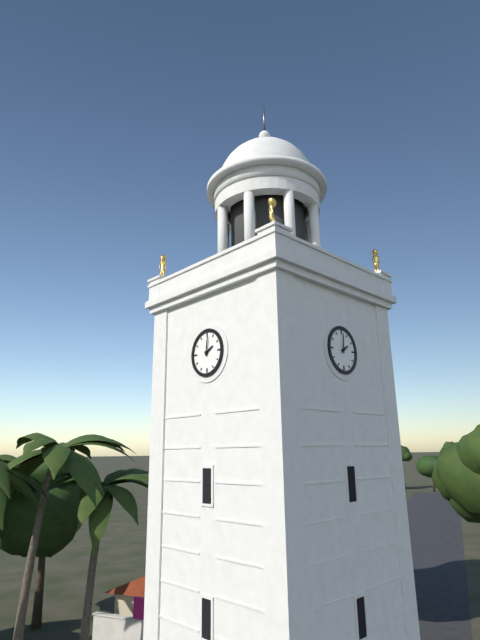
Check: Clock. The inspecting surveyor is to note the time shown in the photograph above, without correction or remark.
2:01
